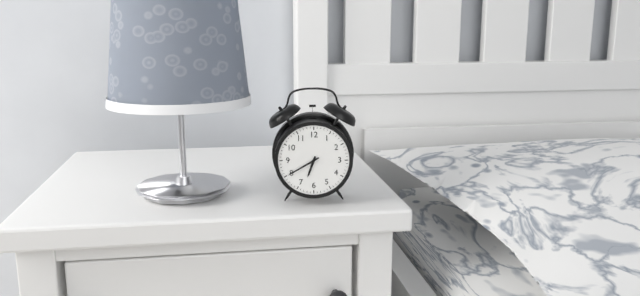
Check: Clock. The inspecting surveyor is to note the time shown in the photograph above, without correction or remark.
6:40
